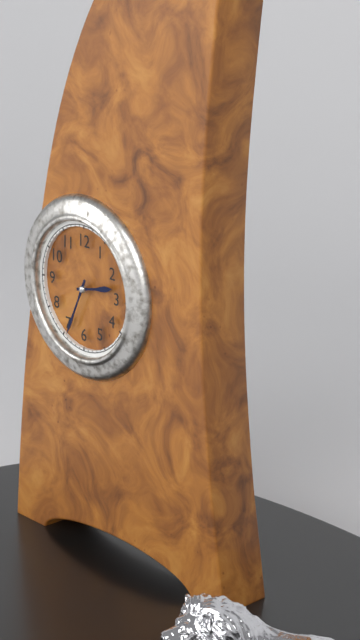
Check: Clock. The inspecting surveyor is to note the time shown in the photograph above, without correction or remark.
2:34
